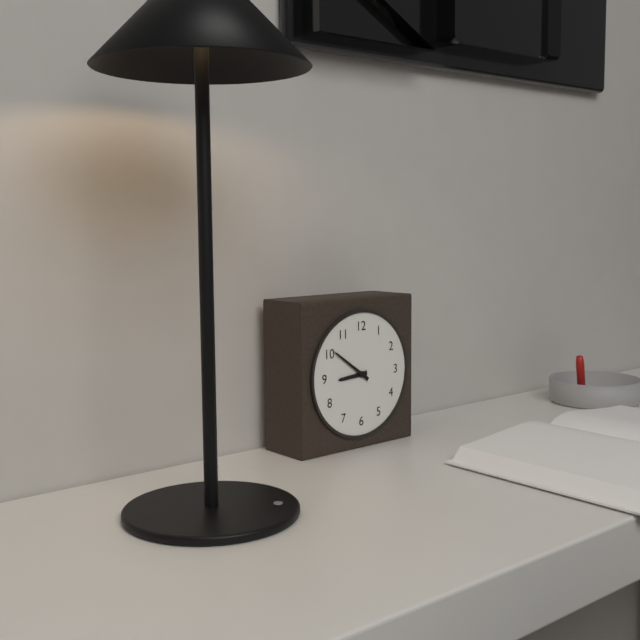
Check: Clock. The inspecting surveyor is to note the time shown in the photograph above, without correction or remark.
8:51
